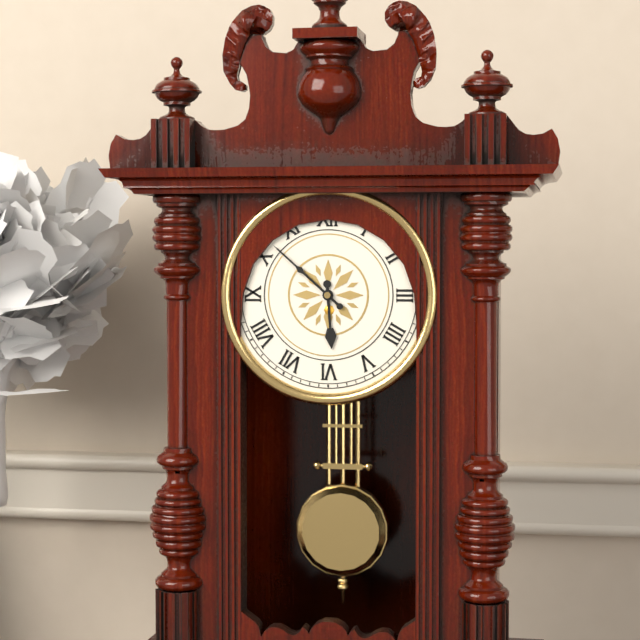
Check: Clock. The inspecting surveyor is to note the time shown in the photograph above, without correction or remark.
5:52
